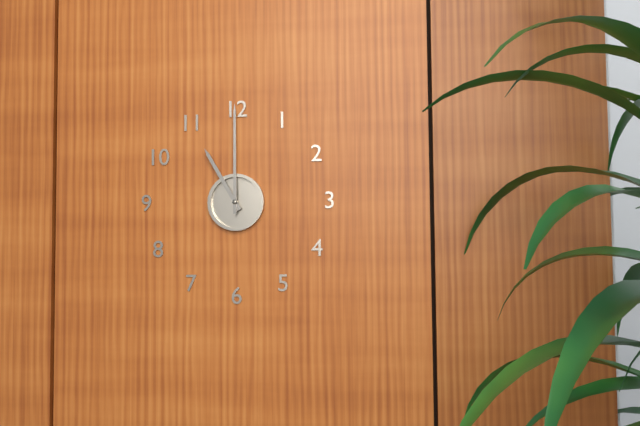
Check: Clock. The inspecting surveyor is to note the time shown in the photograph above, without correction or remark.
11:00
